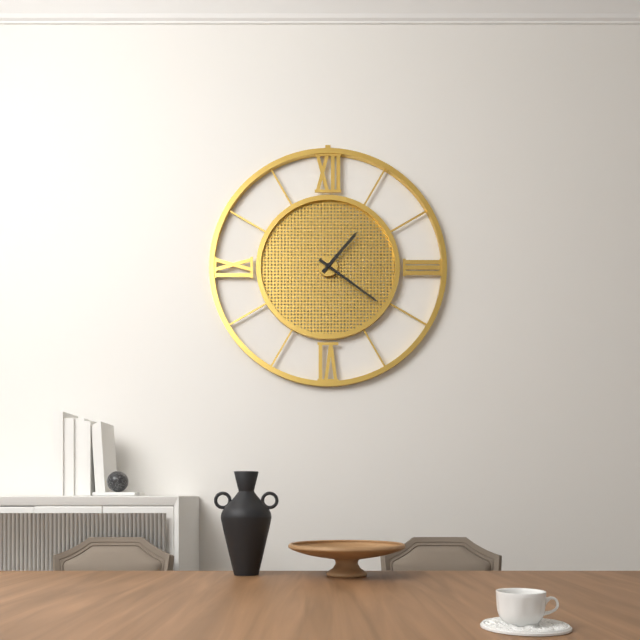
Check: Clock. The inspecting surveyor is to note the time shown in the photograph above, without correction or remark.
1:21
